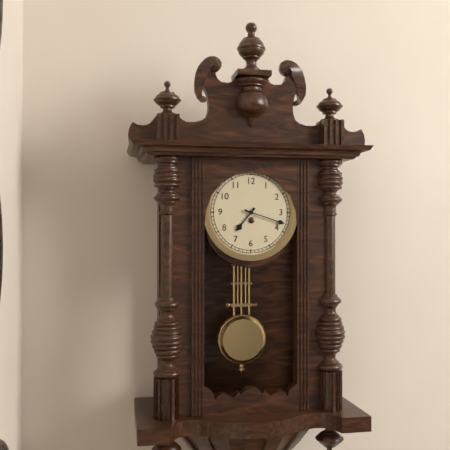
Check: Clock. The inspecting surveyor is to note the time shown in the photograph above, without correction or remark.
7:18
